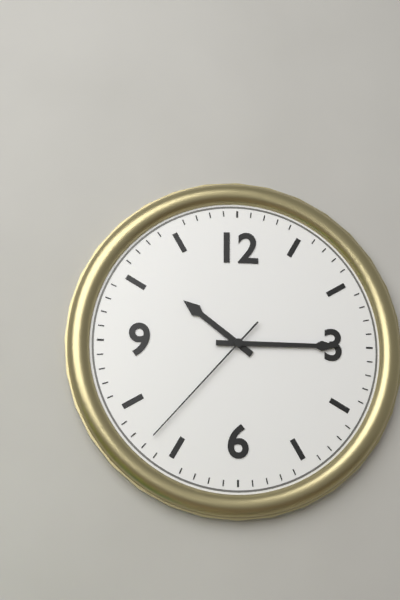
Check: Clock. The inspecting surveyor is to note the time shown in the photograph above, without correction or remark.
10:15:37
